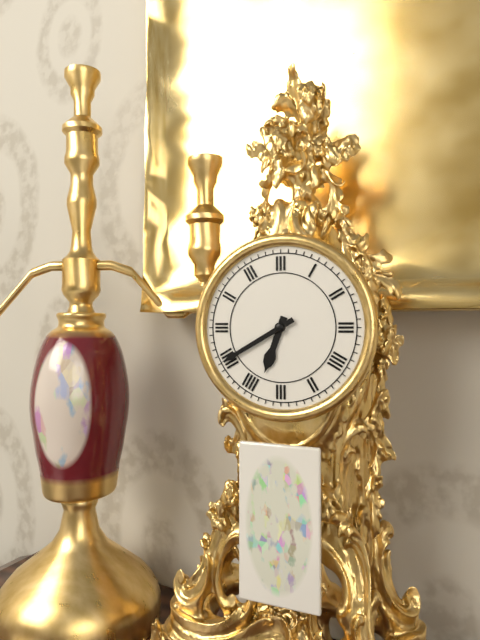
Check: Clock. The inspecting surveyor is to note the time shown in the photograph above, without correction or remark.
6:40
